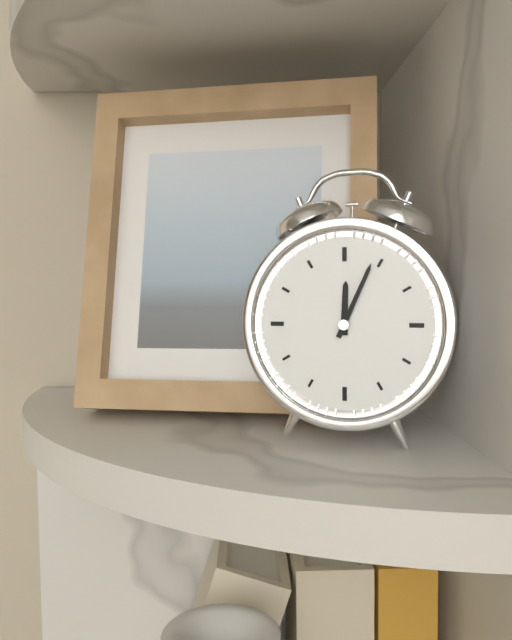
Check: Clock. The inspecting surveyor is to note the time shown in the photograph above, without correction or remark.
12:04
